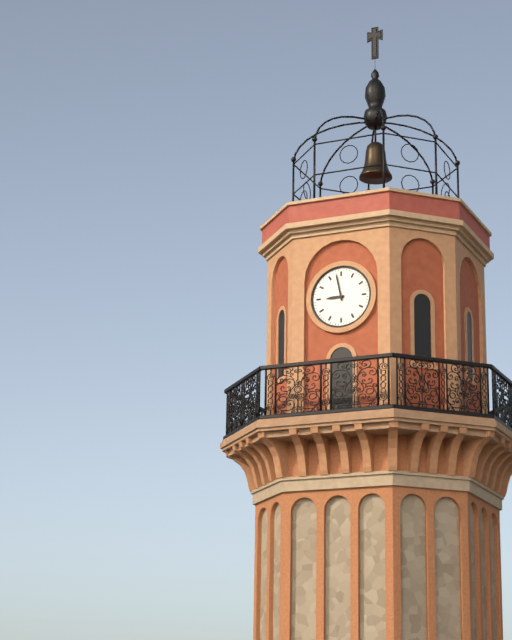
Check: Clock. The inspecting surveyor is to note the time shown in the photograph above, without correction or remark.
8:58
